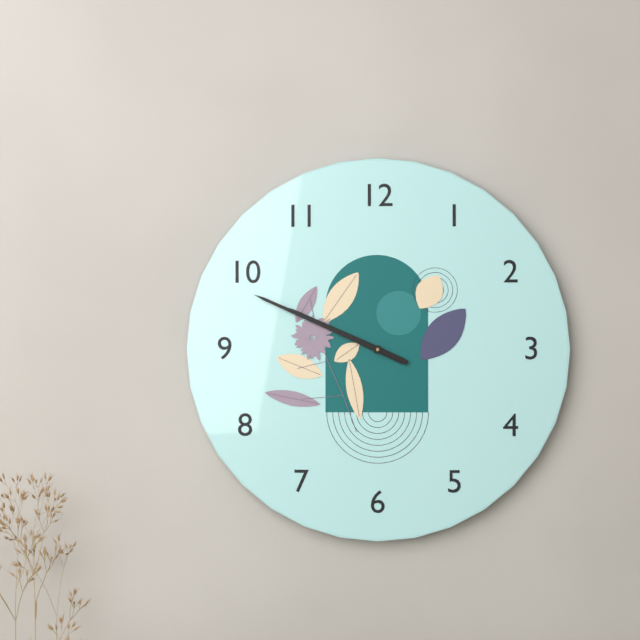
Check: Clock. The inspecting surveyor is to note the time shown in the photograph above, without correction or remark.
9:49
